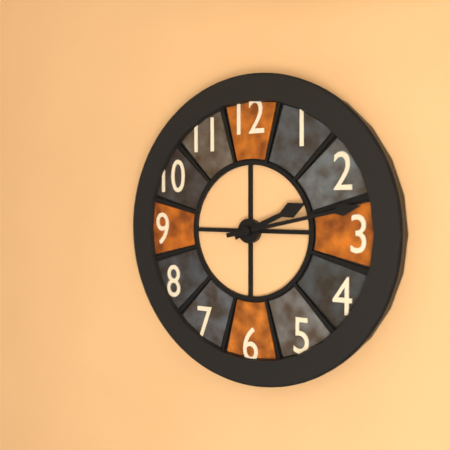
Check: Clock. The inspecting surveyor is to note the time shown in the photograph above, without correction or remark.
2:13
